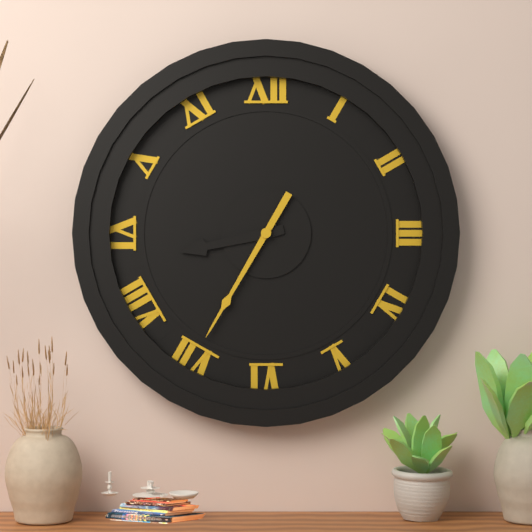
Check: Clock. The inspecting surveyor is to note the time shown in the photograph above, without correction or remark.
8:35
